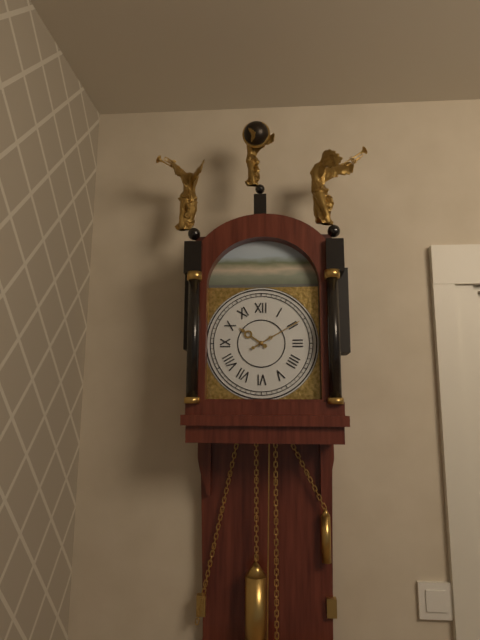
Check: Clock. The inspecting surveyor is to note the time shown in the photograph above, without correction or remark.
10:10
